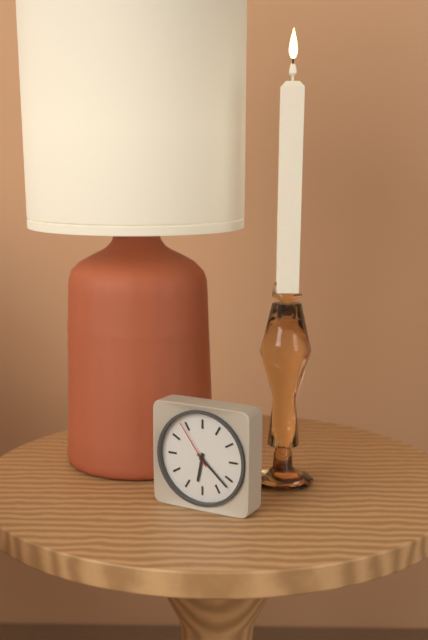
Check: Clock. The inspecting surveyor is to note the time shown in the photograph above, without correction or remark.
6:22:54
